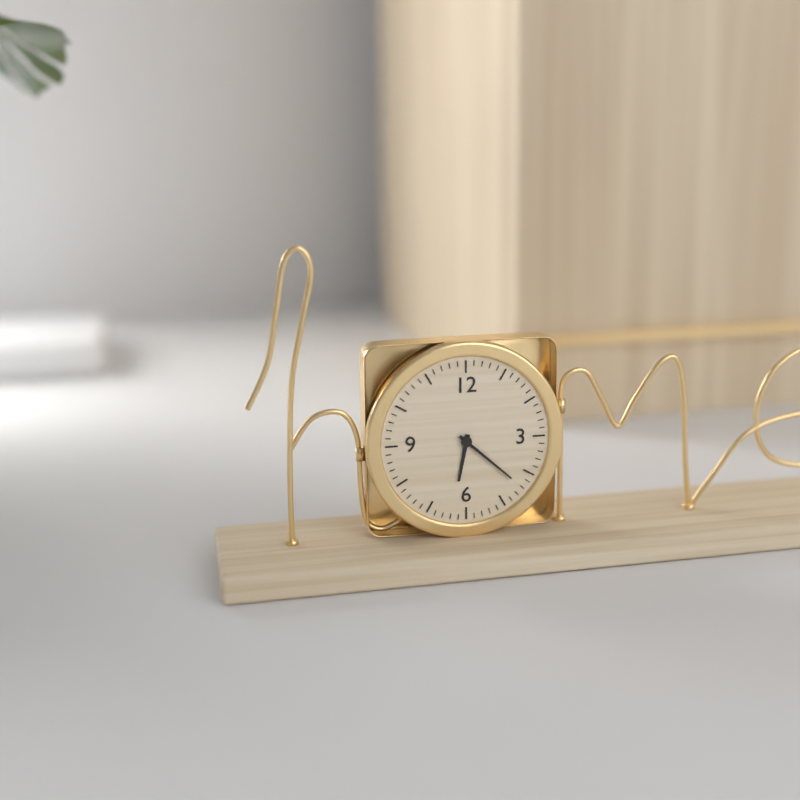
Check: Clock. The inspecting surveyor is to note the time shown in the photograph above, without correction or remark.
6:22
